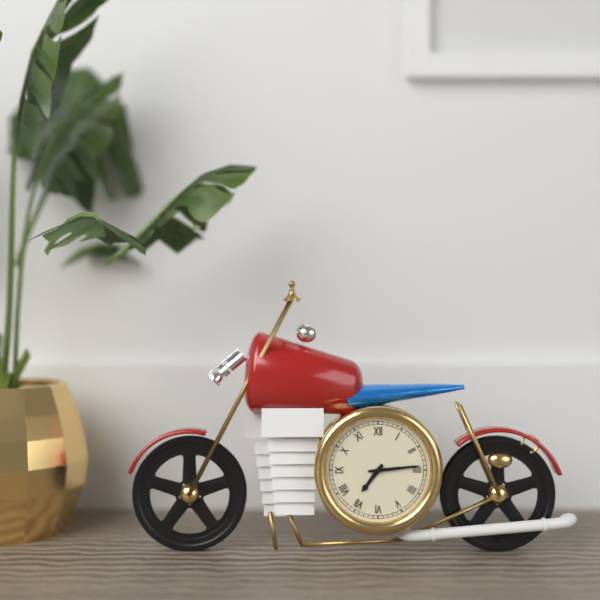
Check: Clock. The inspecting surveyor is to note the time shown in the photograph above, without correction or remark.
7:14
